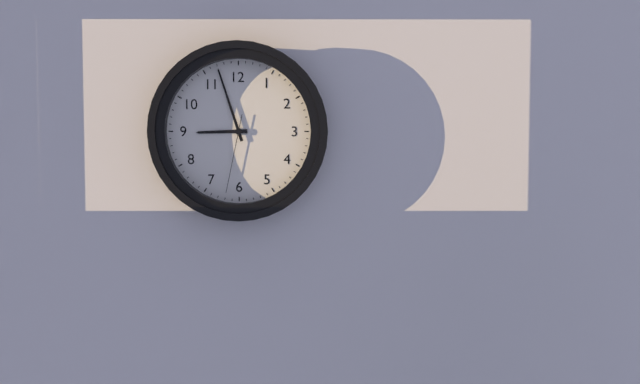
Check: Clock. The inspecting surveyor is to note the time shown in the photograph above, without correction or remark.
8:57:32
